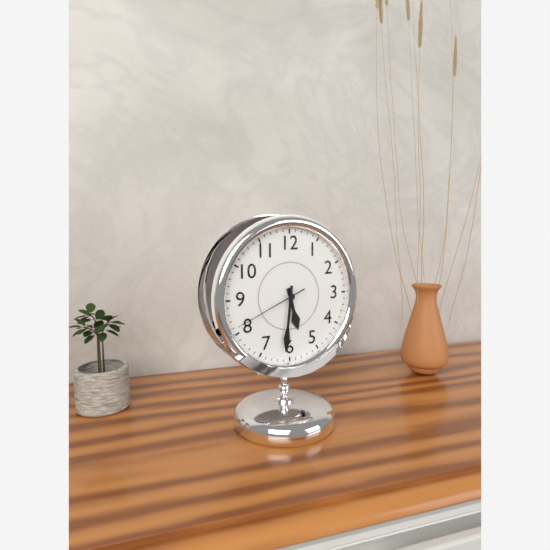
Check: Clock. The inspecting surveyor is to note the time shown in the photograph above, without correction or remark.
5:31:41
